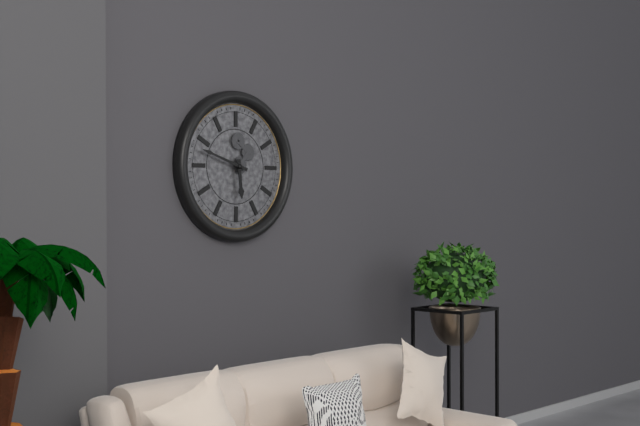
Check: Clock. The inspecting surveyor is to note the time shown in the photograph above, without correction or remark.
5:48
